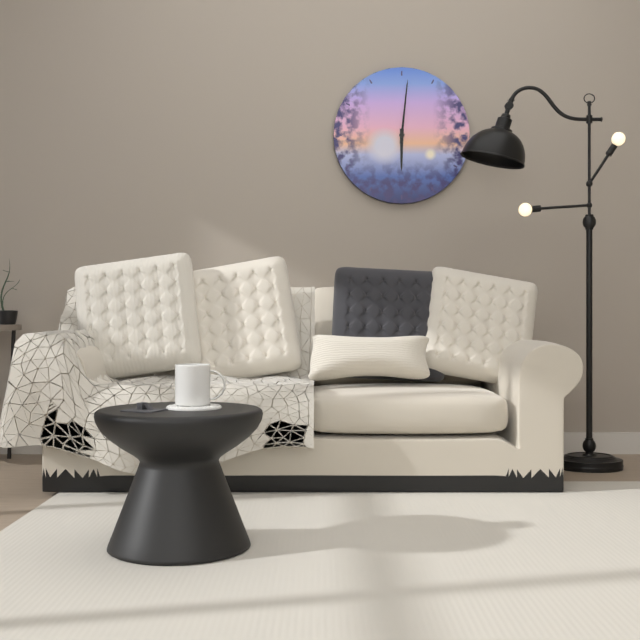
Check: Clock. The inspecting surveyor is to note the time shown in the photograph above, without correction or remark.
6:01
